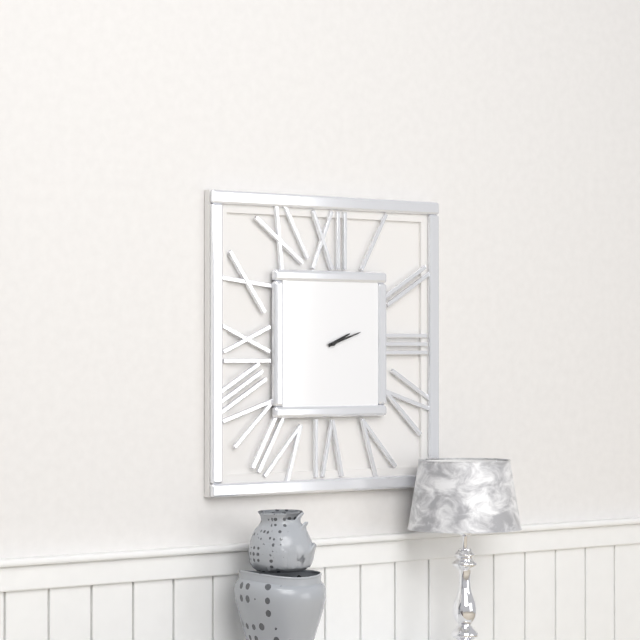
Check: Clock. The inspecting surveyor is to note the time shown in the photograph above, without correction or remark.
2:12
